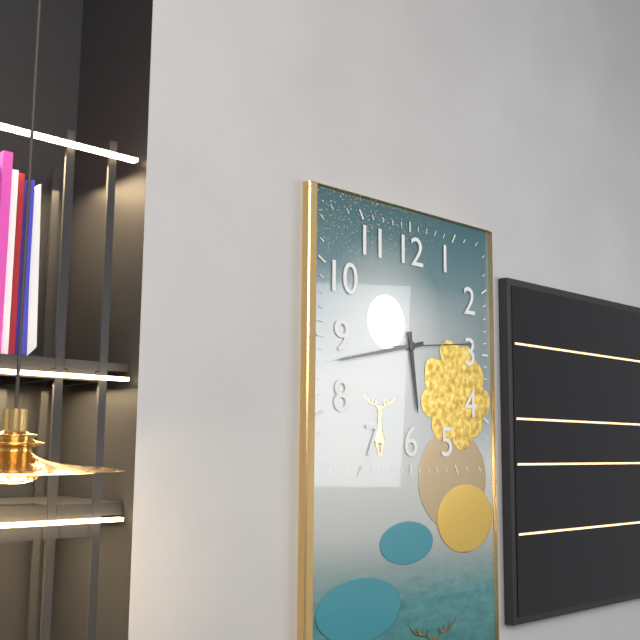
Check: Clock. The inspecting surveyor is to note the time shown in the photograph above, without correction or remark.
5:43:14
